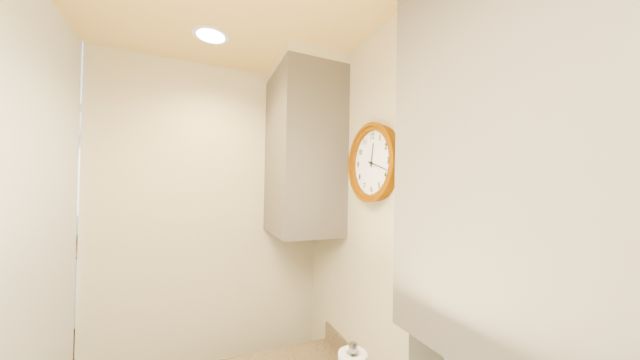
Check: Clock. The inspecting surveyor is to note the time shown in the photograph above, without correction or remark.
12:18
